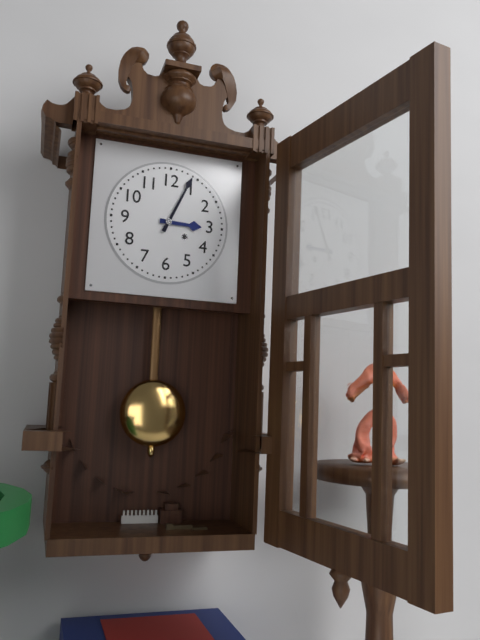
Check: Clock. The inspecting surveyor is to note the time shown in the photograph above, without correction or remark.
3:04
